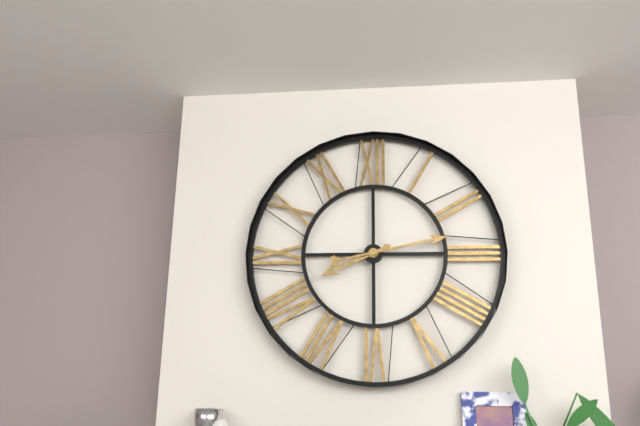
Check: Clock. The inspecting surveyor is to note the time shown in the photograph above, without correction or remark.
8:13
